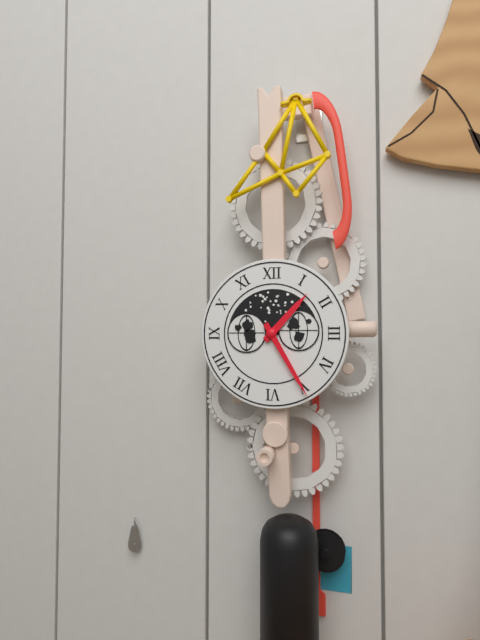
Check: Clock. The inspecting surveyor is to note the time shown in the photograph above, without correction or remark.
1:25
